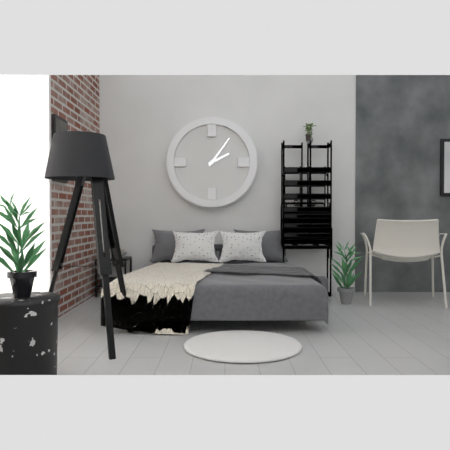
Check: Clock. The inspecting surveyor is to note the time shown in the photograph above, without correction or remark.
2:06
